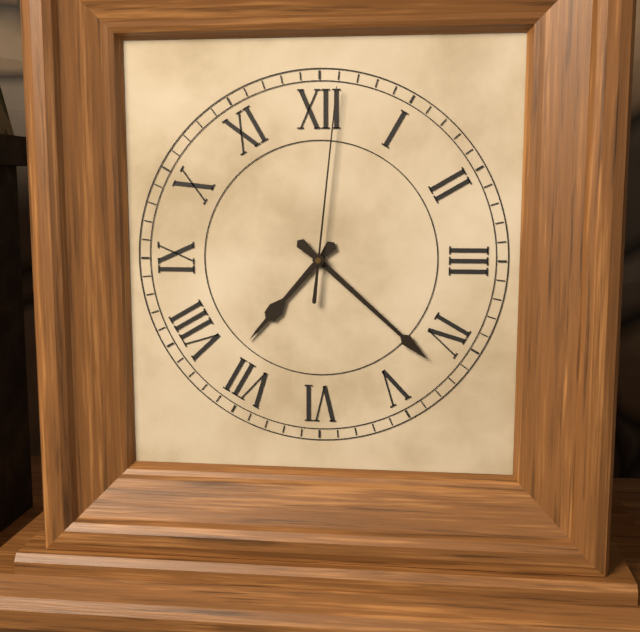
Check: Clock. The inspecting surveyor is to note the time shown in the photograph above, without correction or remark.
7:22:01
